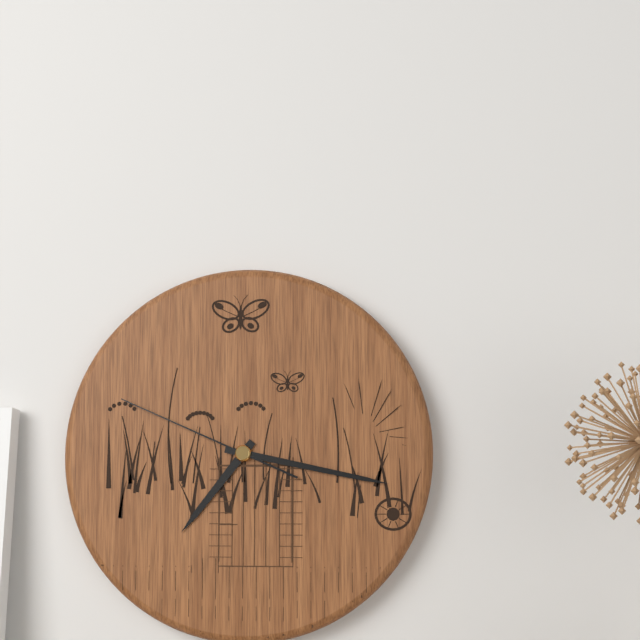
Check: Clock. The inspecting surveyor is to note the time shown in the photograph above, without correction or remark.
7:17:49
